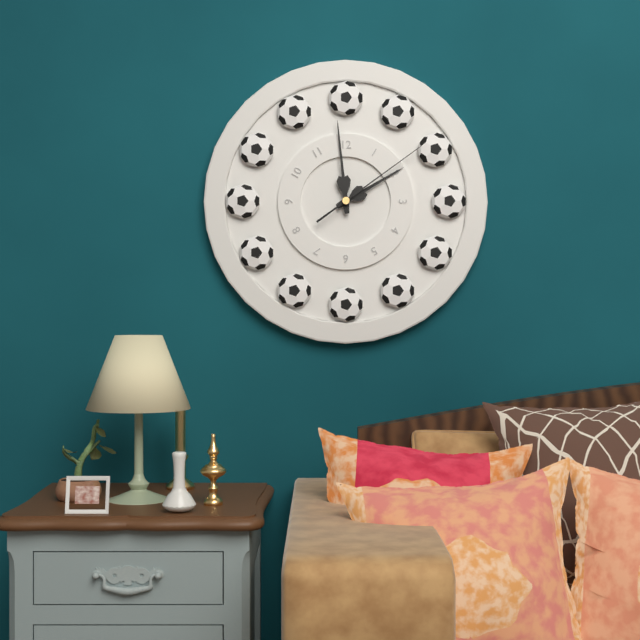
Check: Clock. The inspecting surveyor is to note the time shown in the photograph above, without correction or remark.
1:59:09
